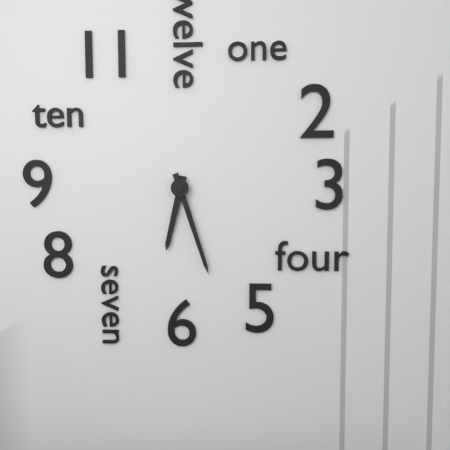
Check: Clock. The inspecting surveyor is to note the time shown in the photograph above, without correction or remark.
6:27
